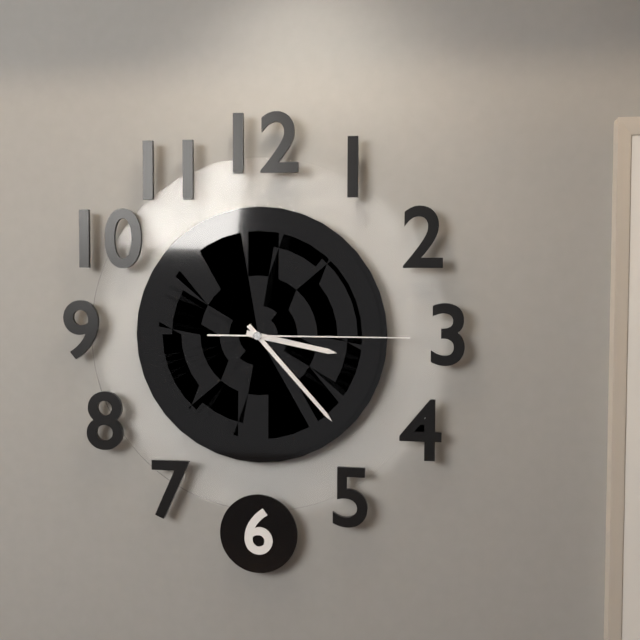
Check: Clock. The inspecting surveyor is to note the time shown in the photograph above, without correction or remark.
3:23:15
